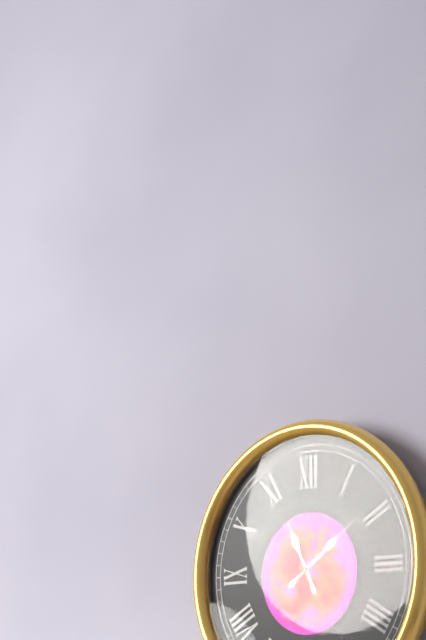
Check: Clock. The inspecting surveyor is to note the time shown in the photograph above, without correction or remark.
11:09:09
